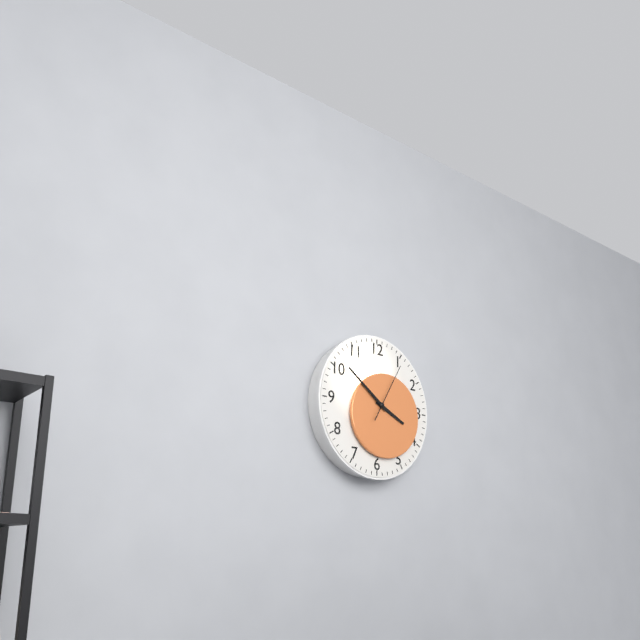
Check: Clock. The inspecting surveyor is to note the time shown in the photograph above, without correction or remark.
3:51:05
